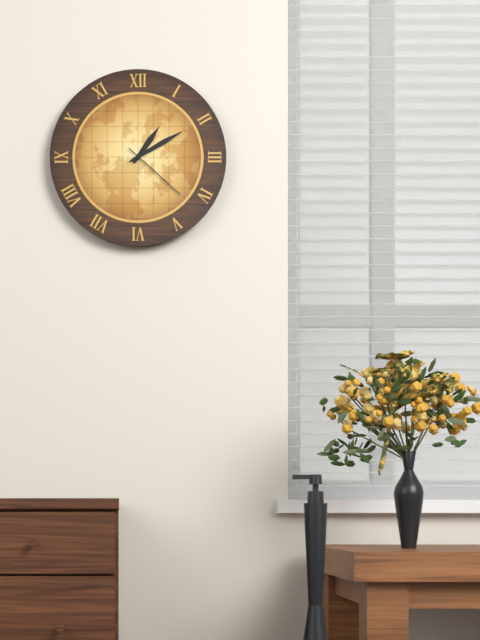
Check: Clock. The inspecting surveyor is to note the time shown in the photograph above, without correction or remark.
1:10:22
